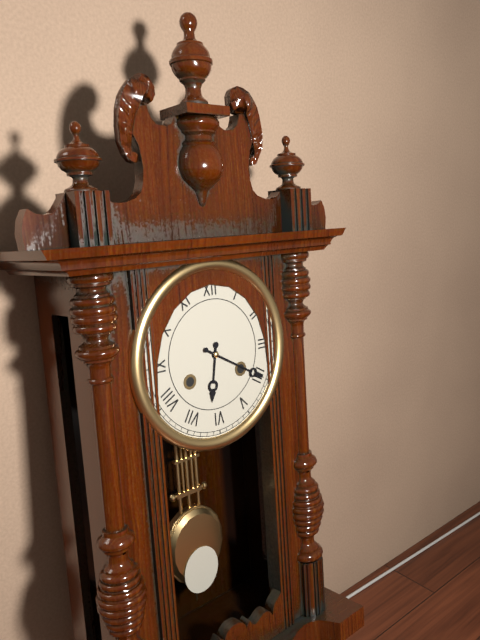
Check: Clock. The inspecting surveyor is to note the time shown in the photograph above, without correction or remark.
6:20
